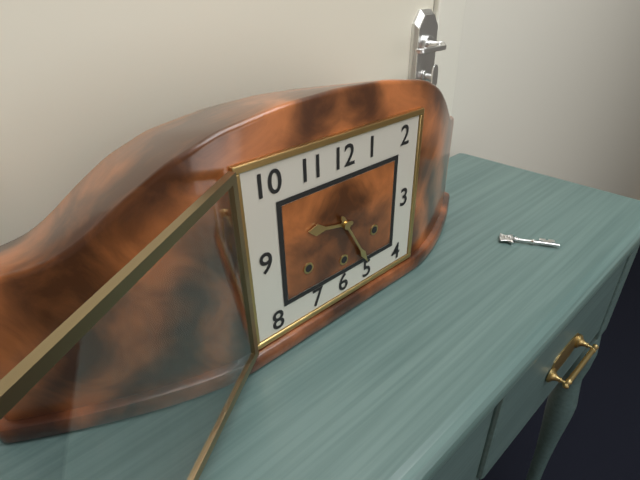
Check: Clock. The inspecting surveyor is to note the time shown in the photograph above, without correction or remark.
9:25
